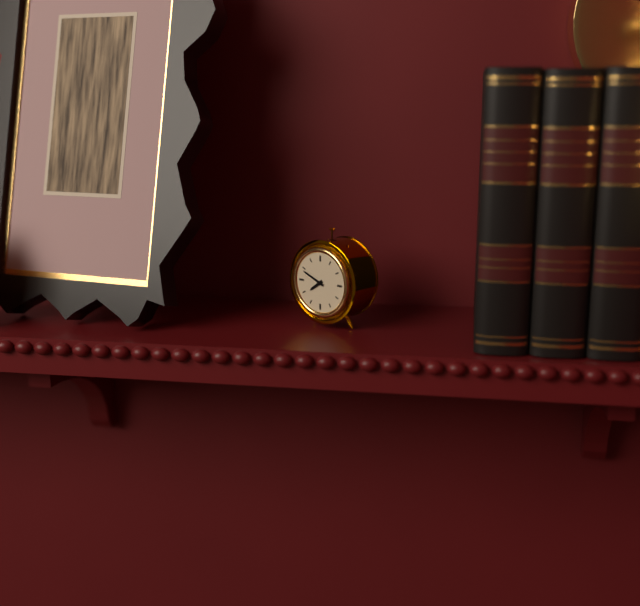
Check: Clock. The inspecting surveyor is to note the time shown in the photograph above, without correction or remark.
7:49
